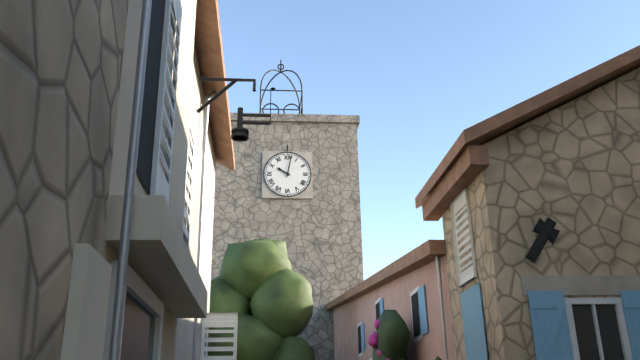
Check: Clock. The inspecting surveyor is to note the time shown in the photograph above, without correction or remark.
10:02
